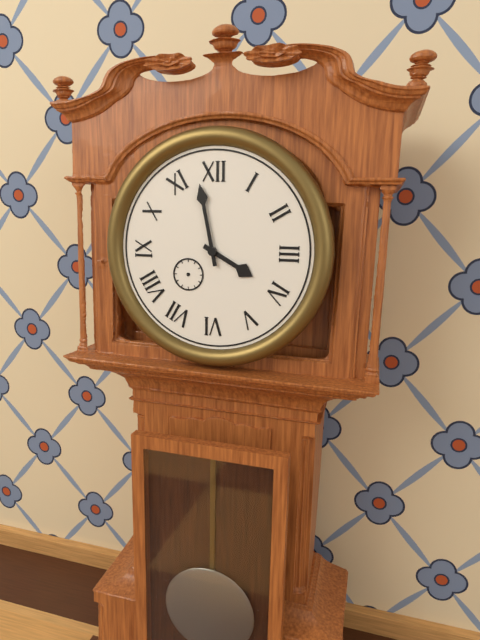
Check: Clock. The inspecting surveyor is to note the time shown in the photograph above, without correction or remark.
3:58
